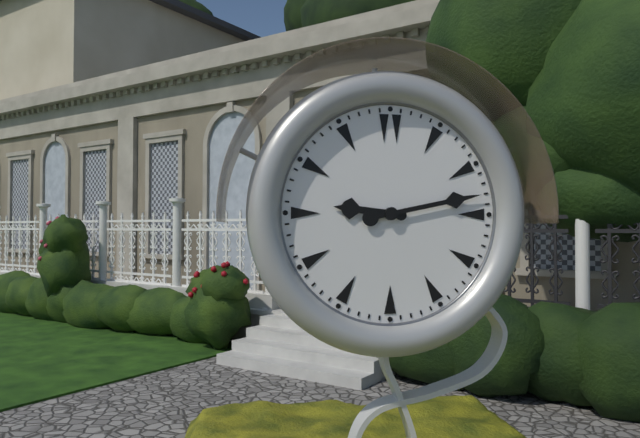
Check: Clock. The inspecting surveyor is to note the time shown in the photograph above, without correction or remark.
9:13
